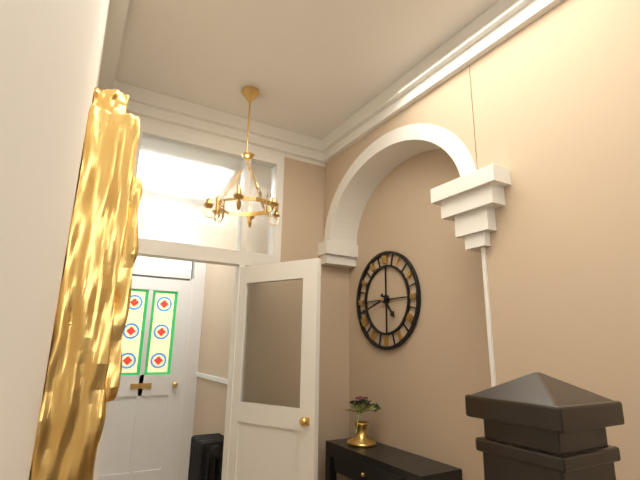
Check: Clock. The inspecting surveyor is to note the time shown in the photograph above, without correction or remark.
4:42
